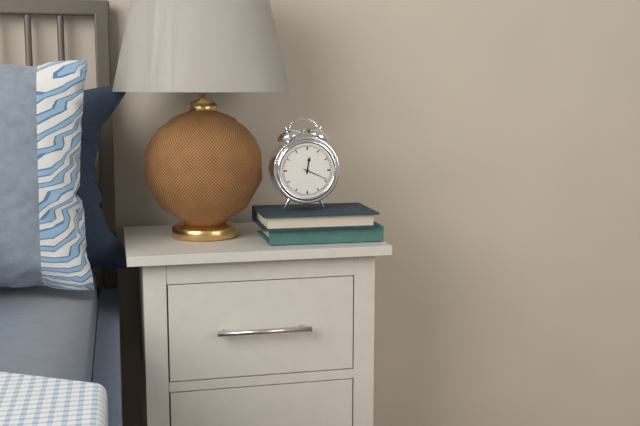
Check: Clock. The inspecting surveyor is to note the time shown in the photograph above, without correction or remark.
12:19
